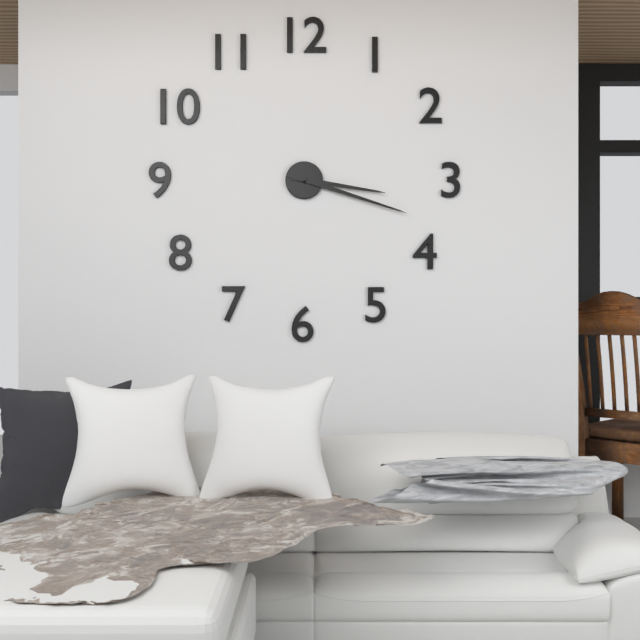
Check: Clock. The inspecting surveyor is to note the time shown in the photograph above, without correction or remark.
3:18
